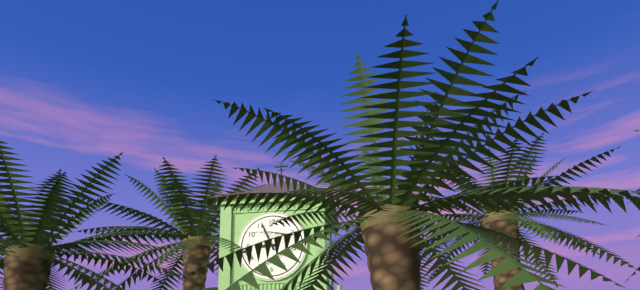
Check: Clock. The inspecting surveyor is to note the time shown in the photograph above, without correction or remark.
8:56
